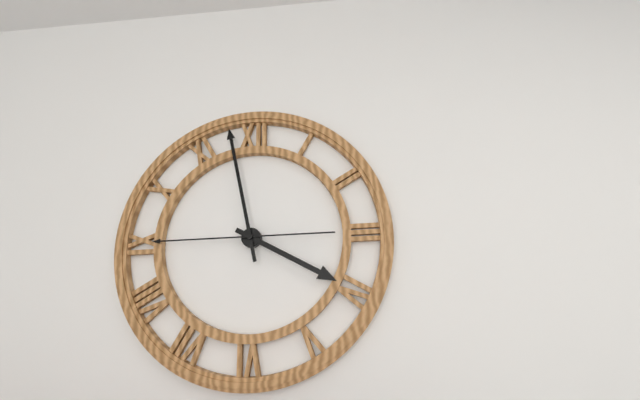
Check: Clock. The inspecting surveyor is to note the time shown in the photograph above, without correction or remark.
3:58:45
